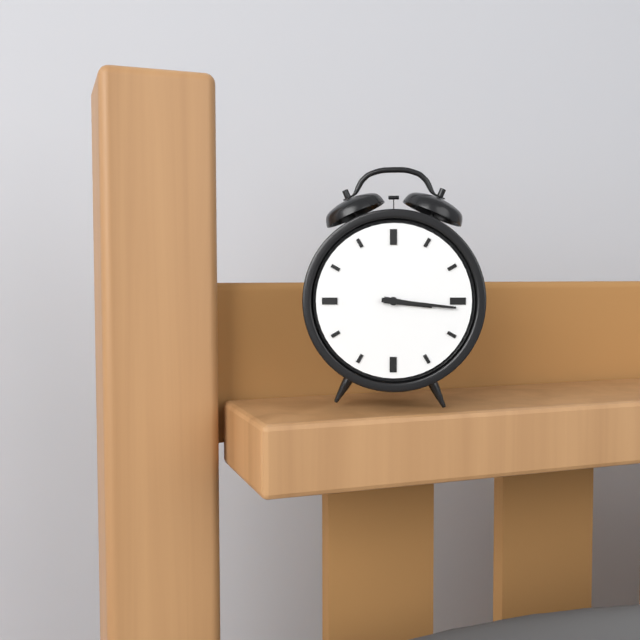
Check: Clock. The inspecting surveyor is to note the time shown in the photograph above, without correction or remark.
3:16
